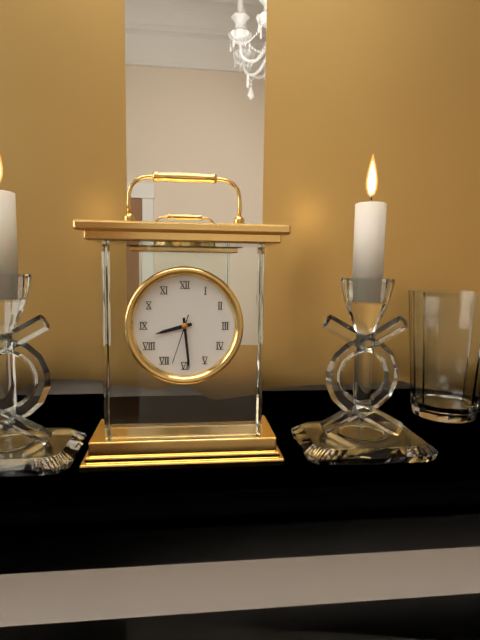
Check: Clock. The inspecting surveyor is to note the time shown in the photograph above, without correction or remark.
8:29
